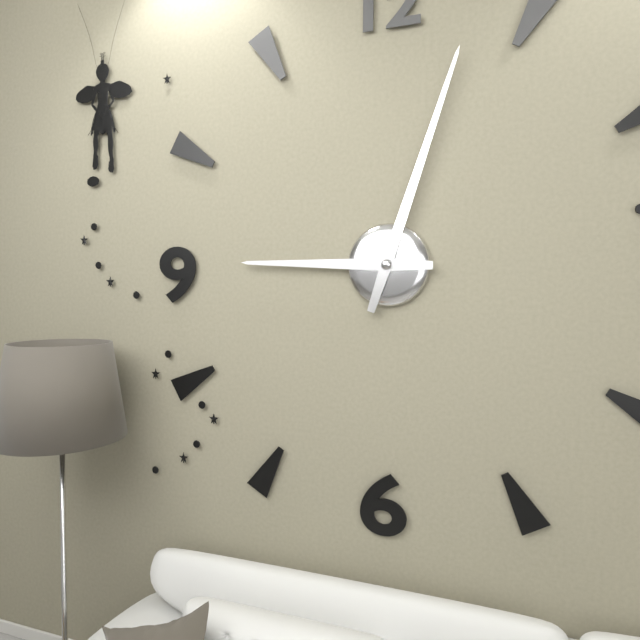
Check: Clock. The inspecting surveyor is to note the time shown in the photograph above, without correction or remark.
9:03
